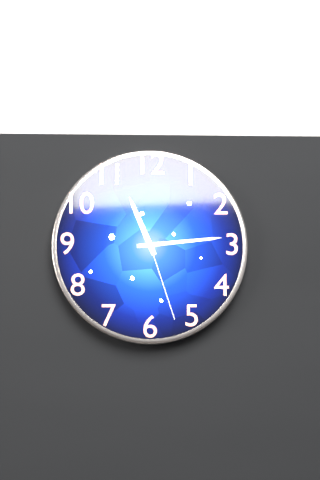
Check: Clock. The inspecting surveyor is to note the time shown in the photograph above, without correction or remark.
11:14:27
